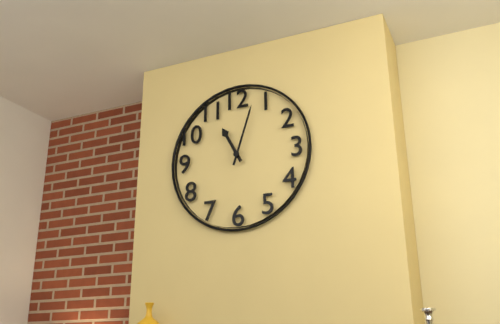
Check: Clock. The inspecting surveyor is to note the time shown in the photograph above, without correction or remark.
11:03
